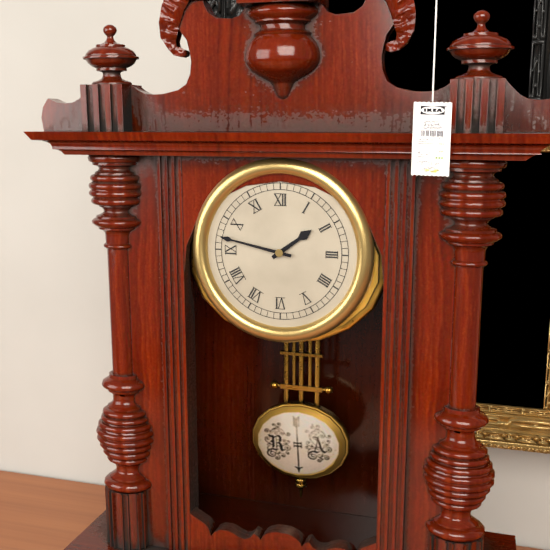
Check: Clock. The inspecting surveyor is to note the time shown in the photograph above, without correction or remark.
1:47
